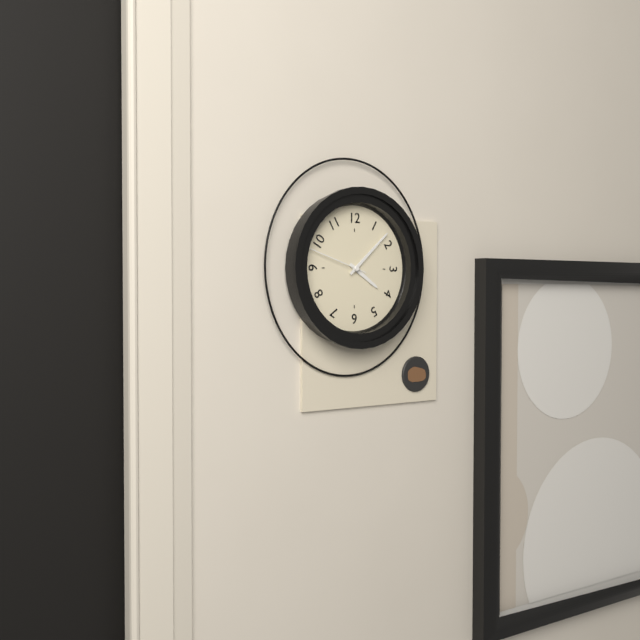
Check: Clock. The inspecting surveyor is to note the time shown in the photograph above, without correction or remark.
4:08:48
